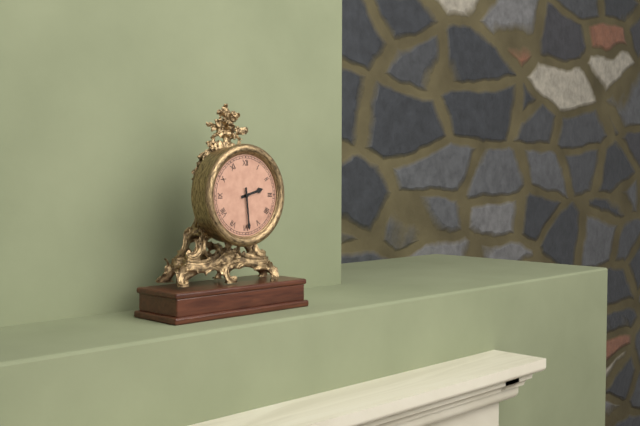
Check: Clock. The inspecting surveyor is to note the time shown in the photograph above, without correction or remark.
2:29
